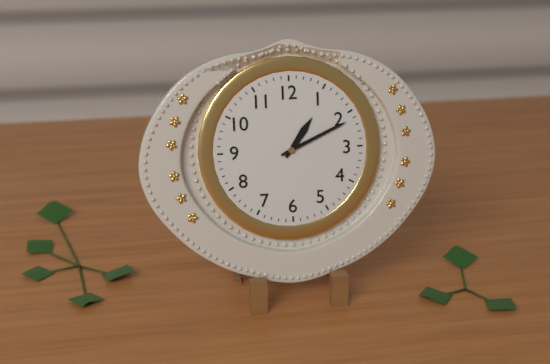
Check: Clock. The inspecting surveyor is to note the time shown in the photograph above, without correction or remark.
1:11
